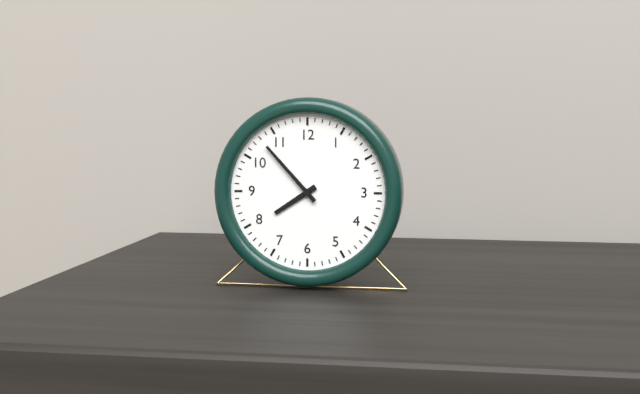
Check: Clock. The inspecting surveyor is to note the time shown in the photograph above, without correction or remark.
7:53
